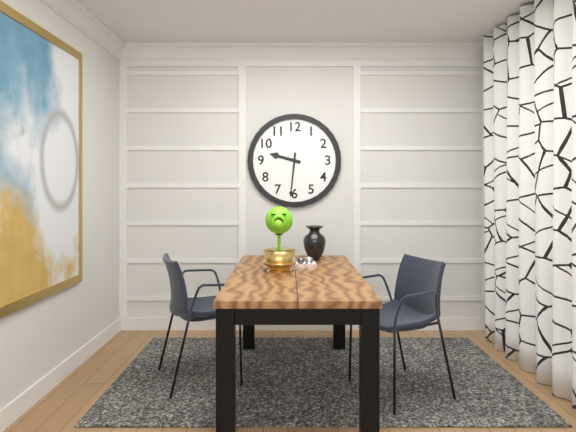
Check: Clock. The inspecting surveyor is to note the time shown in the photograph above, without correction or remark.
9:31
